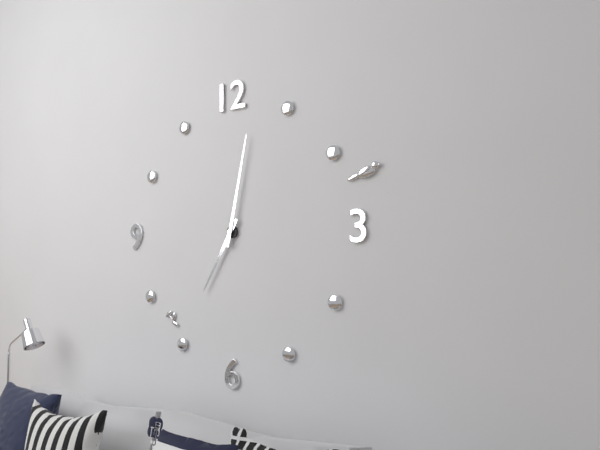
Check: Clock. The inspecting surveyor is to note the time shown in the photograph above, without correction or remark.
7:02
